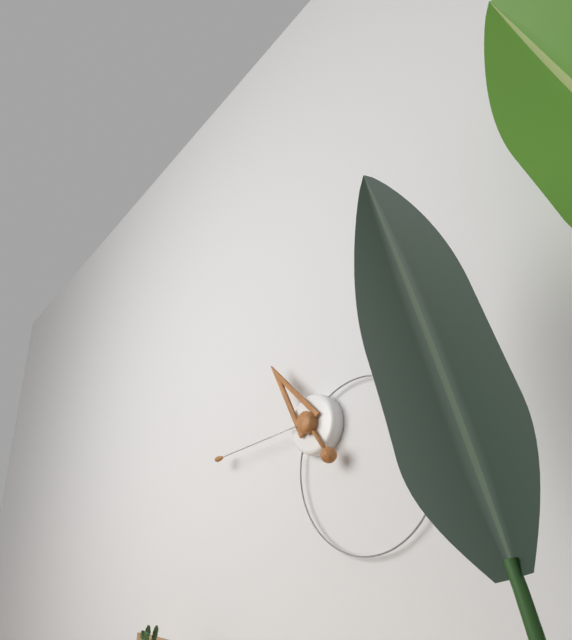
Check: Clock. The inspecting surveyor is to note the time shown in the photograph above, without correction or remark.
10:44
